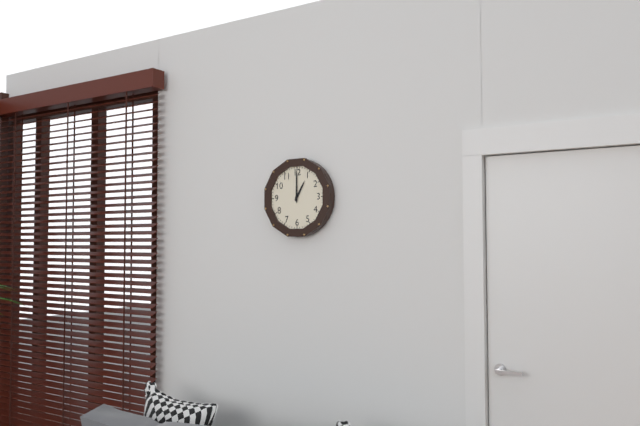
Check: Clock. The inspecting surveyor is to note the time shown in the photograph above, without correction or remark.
1:00
